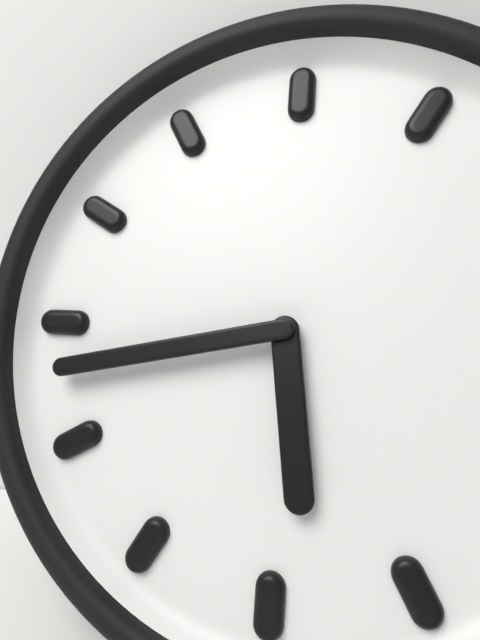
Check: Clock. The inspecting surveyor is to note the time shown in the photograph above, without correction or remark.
5:43
